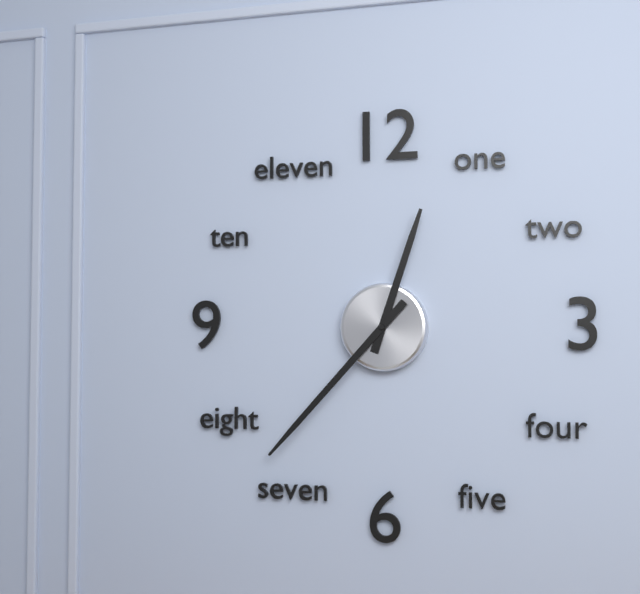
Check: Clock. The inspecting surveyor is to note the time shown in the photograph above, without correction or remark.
12:37
